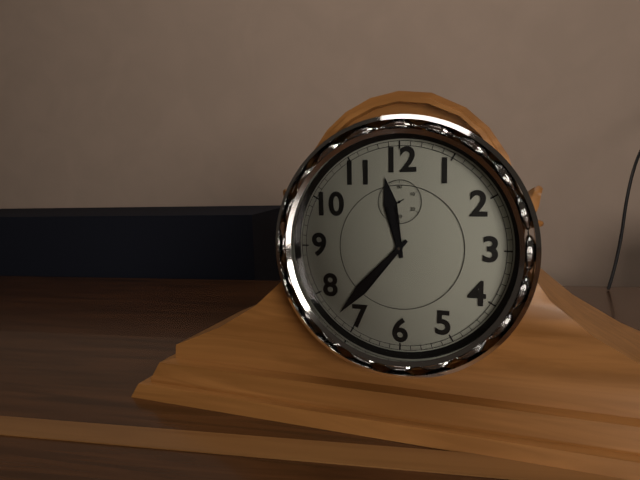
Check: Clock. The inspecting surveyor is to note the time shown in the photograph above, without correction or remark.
11:37
